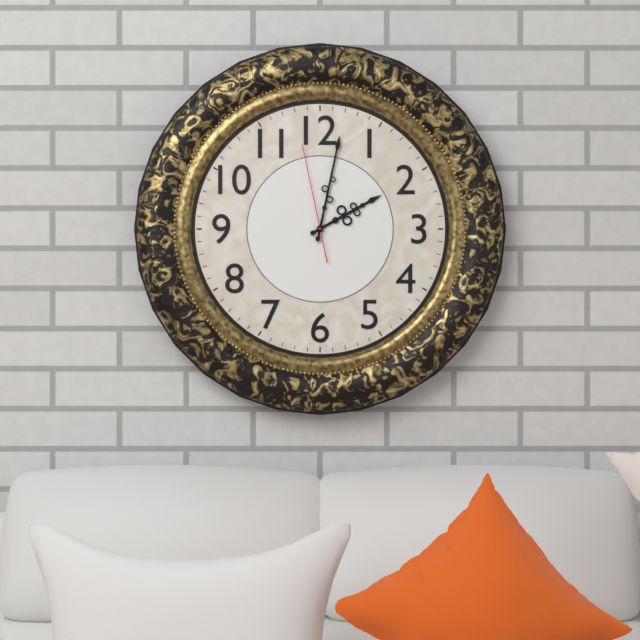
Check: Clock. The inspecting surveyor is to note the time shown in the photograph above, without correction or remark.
2:02:58
